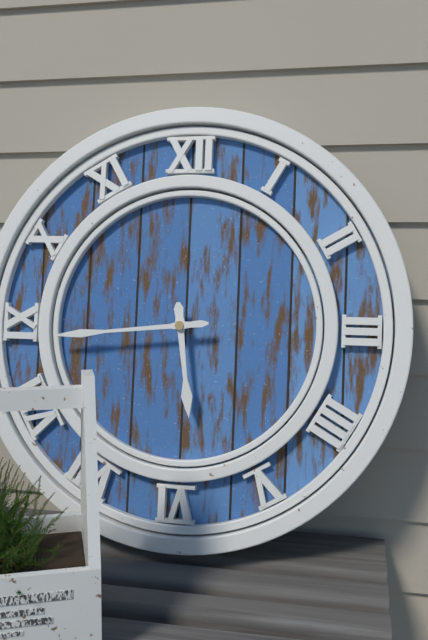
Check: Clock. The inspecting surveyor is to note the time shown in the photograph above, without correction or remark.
5:44
